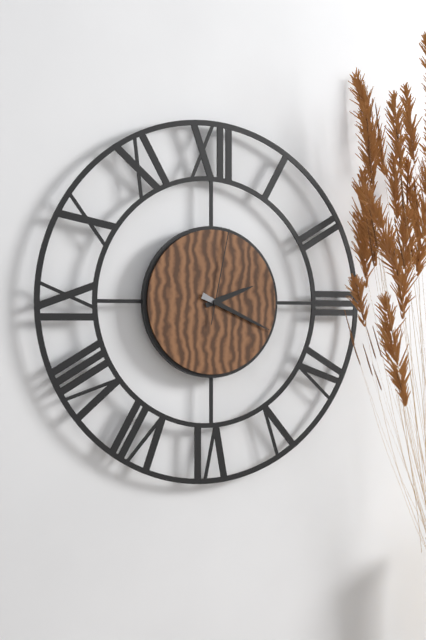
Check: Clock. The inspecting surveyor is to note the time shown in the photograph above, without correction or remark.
2:19:02
